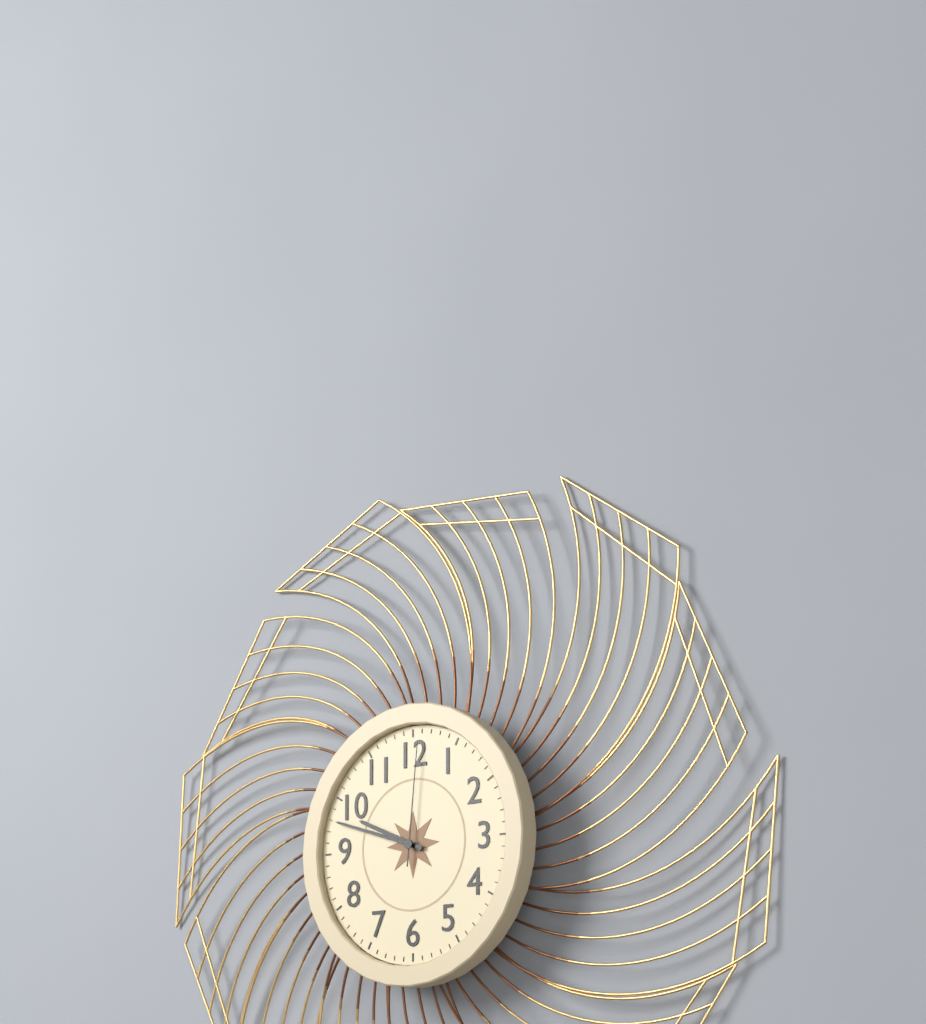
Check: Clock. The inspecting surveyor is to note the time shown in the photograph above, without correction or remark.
9:48:01
